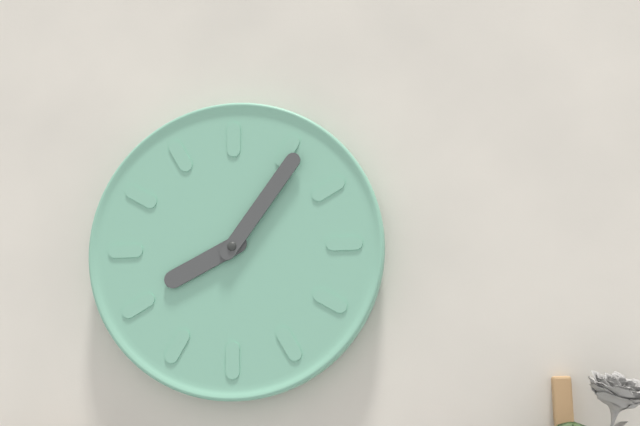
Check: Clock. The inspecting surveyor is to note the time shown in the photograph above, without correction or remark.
8:06
